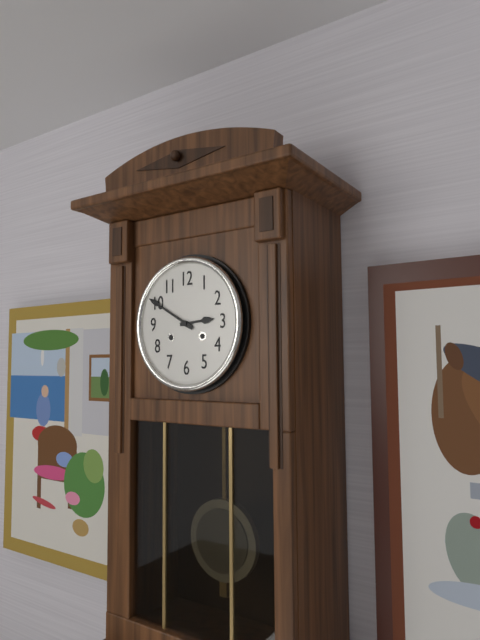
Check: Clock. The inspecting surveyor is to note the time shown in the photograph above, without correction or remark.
2:50
